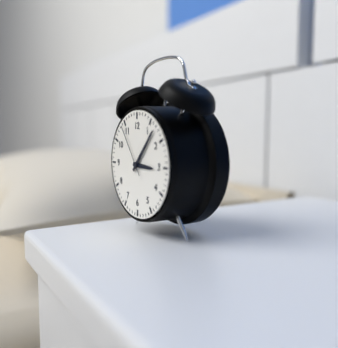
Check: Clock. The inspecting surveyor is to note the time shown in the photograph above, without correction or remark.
3:07:54
